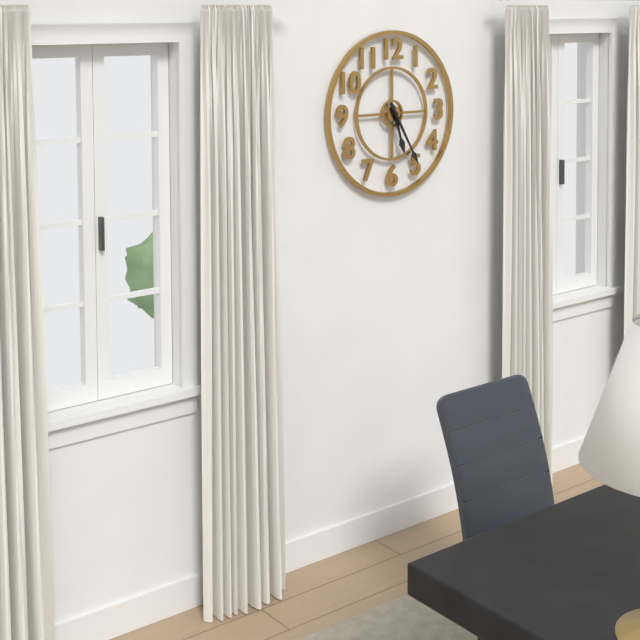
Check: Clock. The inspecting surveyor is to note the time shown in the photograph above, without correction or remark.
5:25
